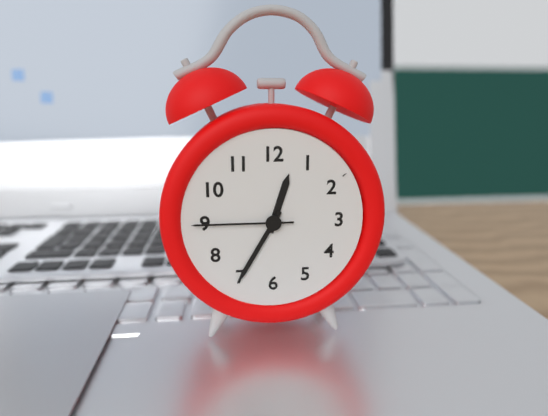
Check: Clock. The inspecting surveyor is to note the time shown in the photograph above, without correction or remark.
12:35:45
